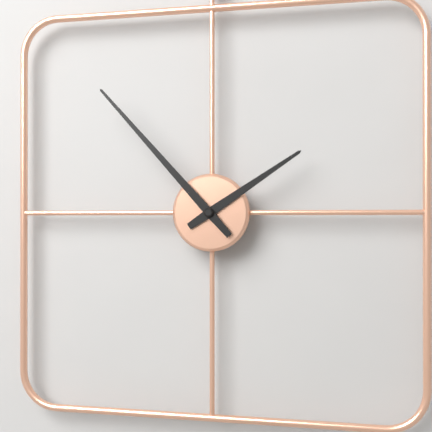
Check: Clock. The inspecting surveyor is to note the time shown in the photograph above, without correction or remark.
1:53
